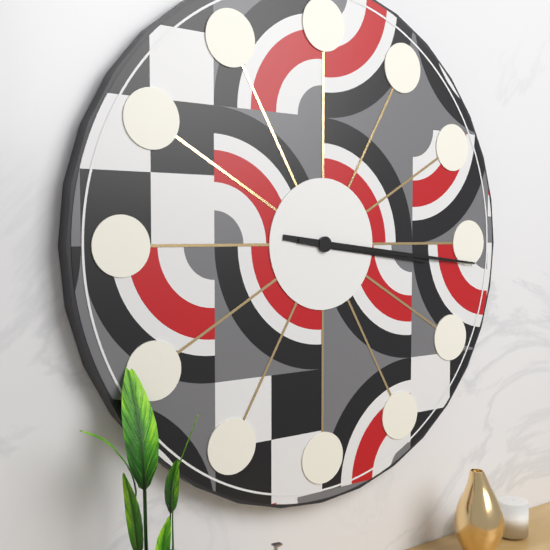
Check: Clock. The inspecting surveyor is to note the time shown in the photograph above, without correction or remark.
3:16
